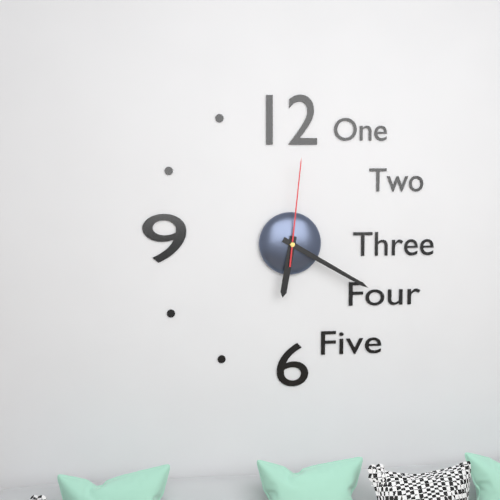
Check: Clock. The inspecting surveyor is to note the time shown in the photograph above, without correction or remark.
6:20:01
